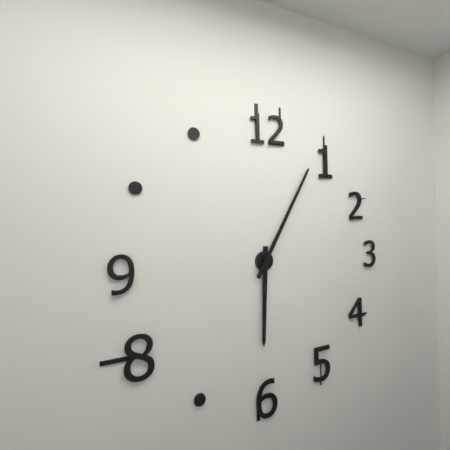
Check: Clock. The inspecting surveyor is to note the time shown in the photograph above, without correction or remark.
6:05
